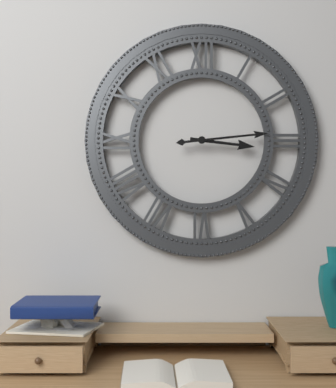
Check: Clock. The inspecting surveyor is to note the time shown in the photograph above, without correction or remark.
3:14
